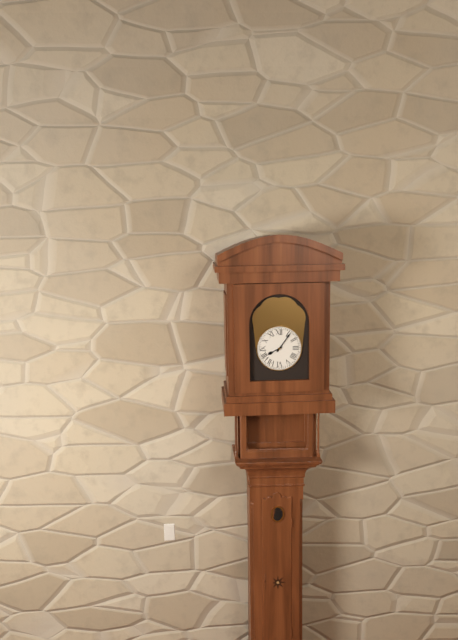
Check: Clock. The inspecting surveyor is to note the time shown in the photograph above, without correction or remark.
8:06
